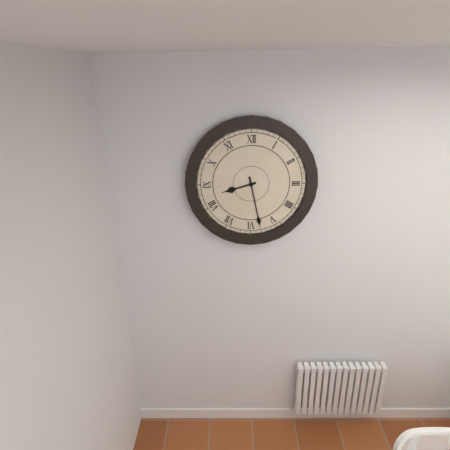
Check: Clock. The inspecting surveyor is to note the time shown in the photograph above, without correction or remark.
8:28
